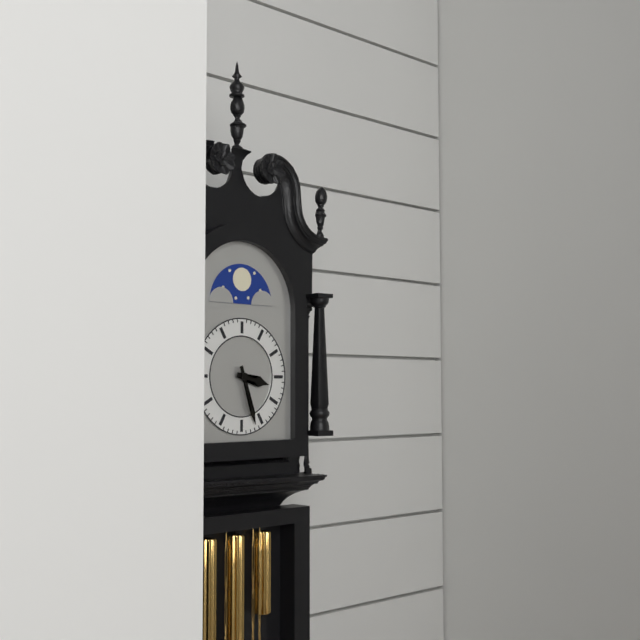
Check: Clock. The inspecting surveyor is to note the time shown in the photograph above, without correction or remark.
3:27
